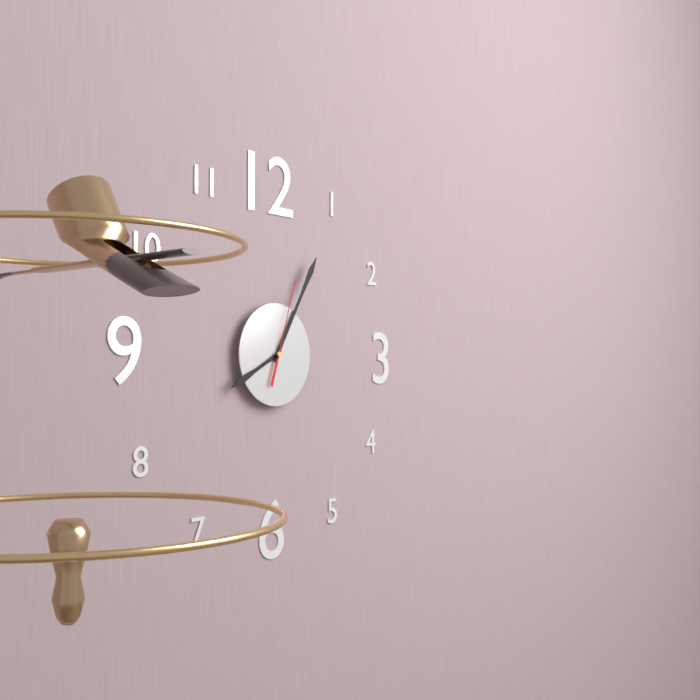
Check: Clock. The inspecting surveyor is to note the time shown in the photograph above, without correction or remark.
8:05:03
